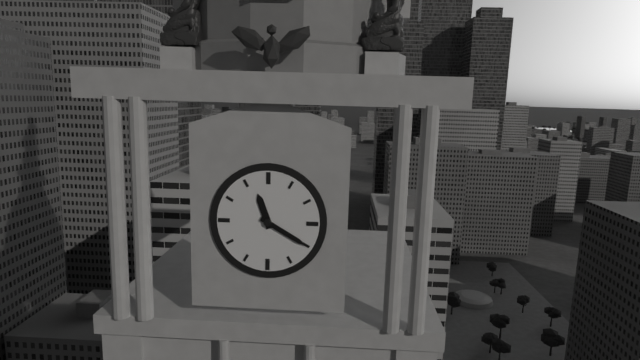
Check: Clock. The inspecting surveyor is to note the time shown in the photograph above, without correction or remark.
11:20
